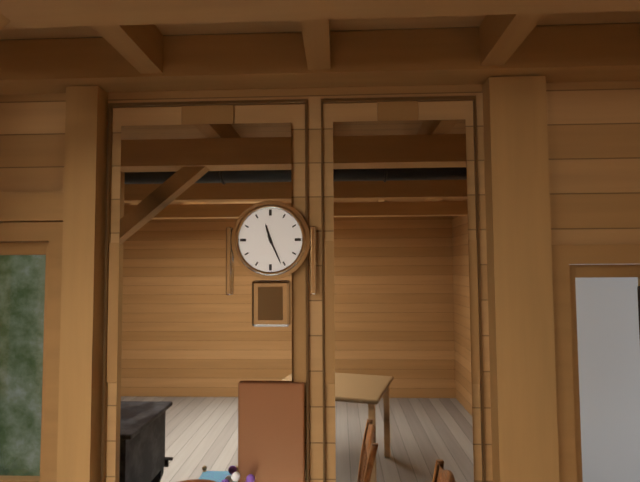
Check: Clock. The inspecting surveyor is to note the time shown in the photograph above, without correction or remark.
11:26
